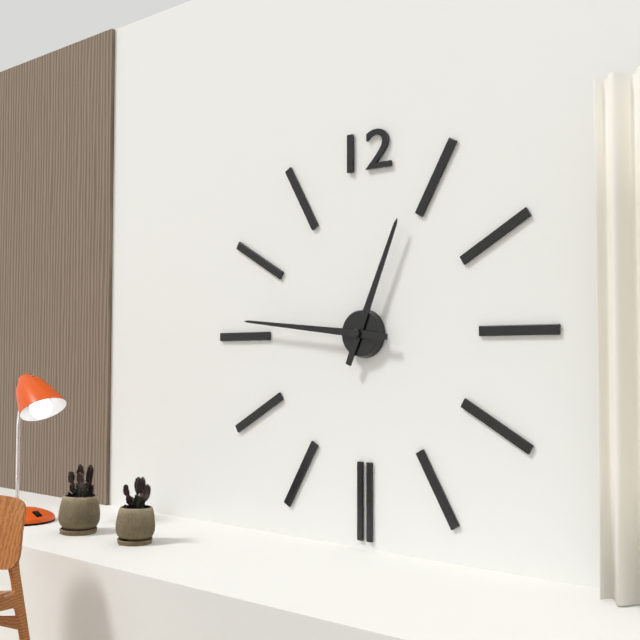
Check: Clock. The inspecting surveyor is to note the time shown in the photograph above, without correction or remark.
12:46
